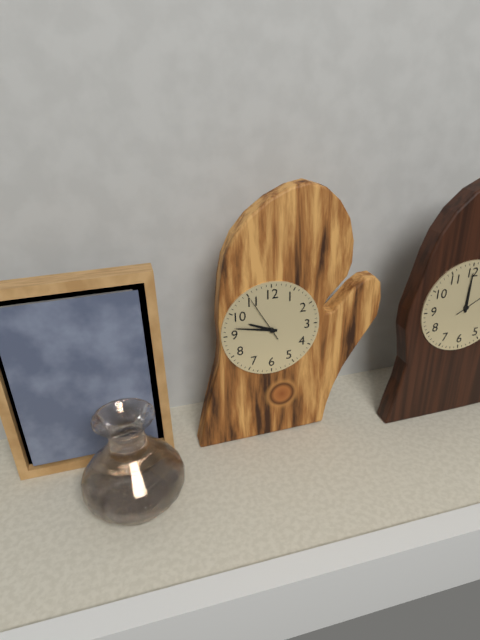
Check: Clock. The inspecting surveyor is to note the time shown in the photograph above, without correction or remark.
9:47
